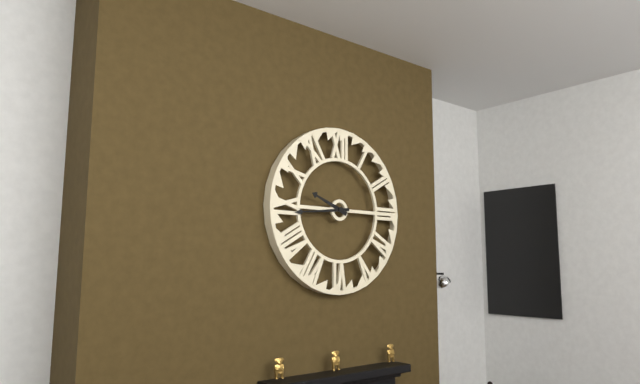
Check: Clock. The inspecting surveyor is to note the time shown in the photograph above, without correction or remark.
9:44
